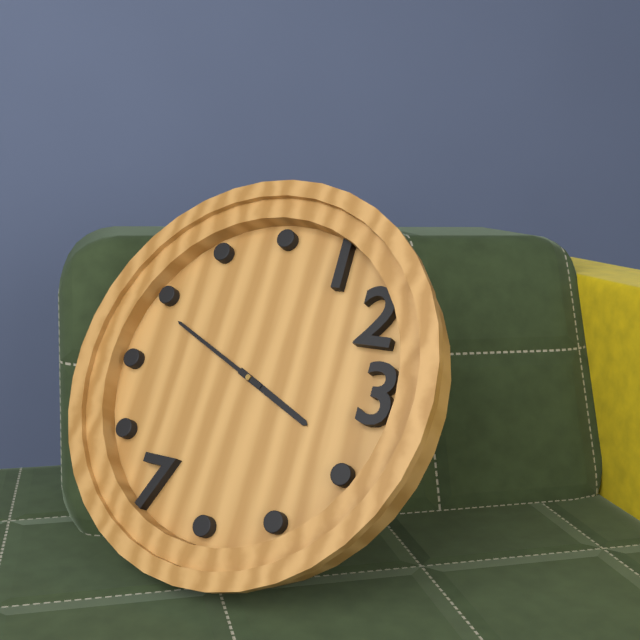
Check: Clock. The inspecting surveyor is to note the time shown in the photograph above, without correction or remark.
3:49
